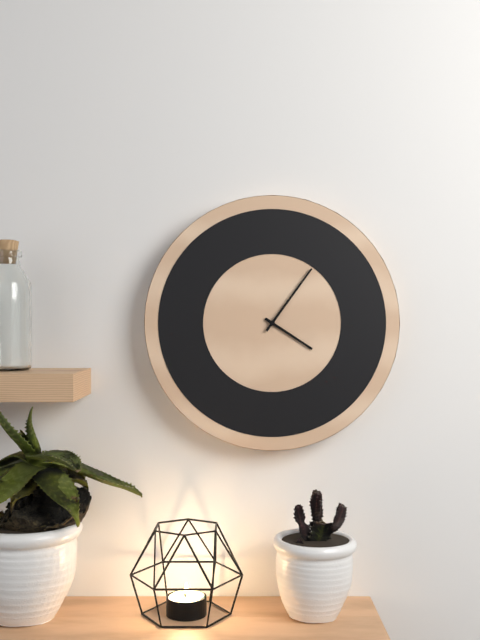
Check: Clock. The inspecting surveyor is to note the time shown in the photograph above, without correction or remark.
4:06
